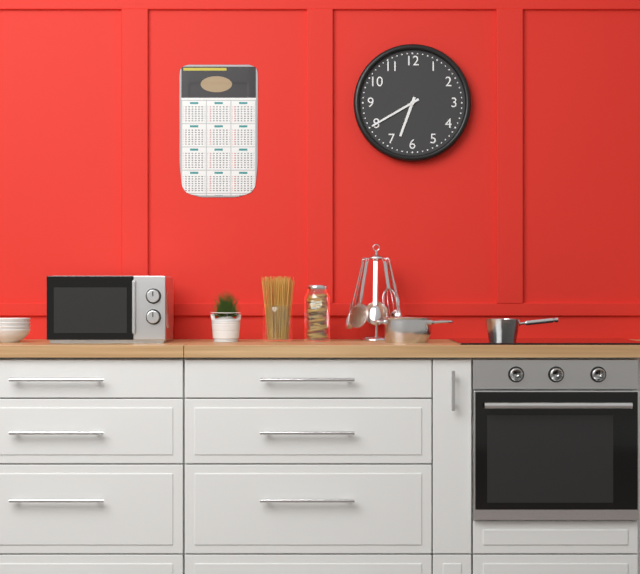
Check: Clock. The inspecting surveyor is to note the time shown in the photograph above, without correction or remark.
6:40
